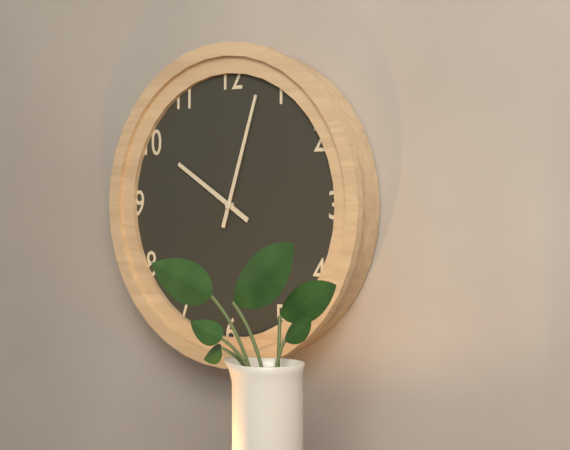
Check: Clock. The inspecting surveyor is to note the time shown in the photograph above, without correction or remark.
10:03
